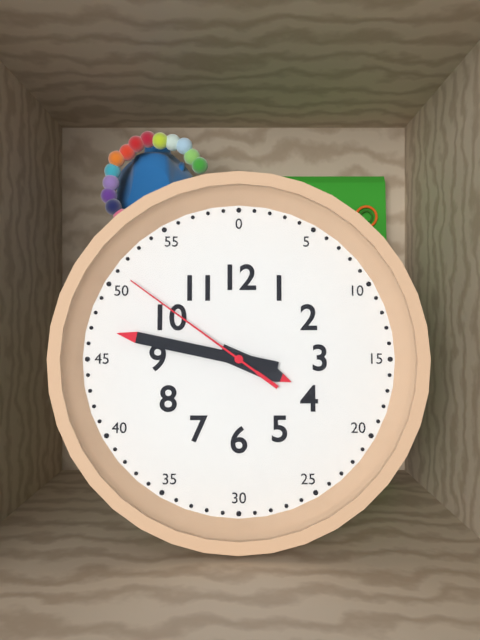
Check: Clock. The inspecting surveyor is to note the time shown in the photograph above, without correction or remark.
3:47:51
